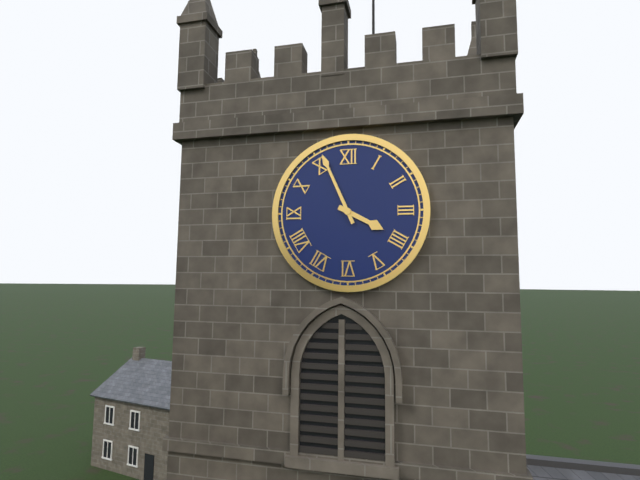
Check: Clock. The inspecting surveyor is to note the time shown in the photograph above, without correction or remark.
3:56
